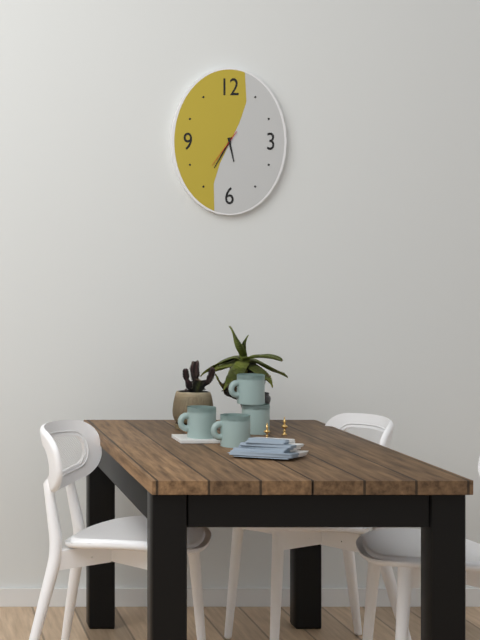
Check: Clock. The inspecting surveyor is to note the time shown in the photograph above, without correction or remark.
5:35
